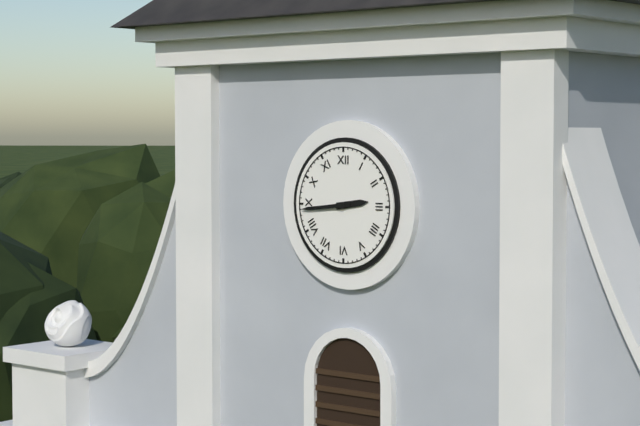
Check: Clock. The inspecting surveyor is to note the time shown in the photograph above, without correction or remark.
2:44
